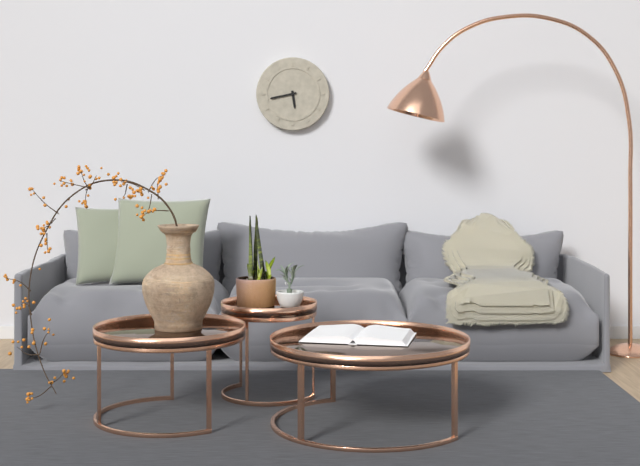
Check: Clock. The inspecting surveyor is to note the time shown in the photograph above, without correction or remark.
5:43
